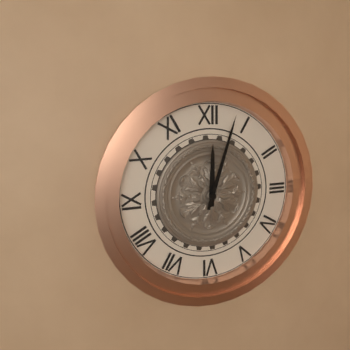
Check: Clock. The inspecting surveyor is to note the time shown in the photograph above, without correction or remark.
12:03
